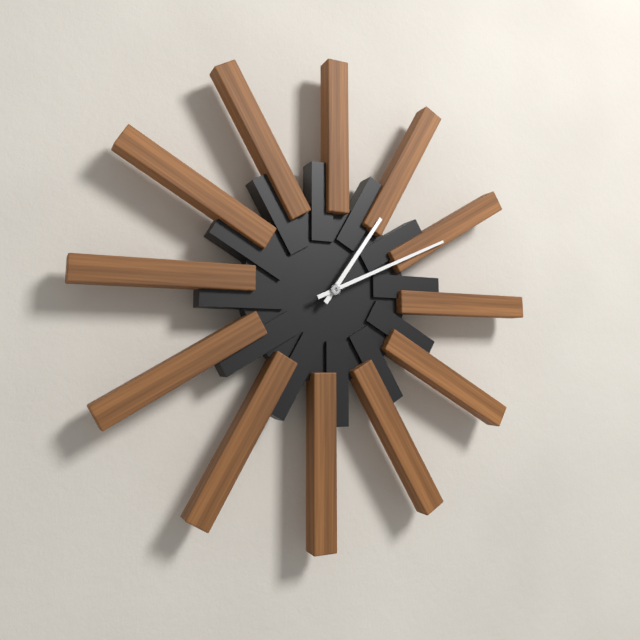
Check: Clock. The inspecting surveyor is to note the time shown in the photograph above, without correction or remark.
1:11
